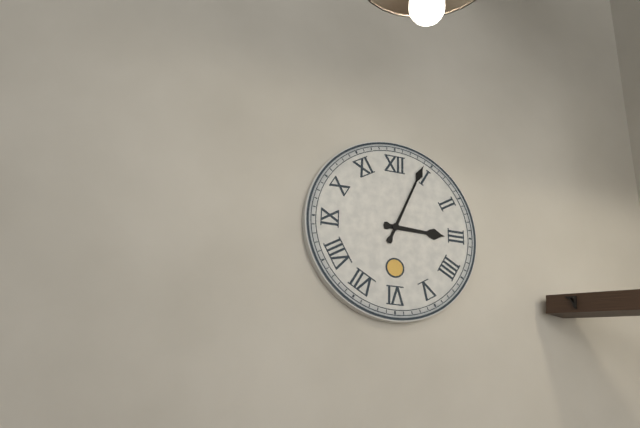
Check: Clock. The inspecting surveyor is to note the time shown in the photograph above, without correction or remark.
3:04
